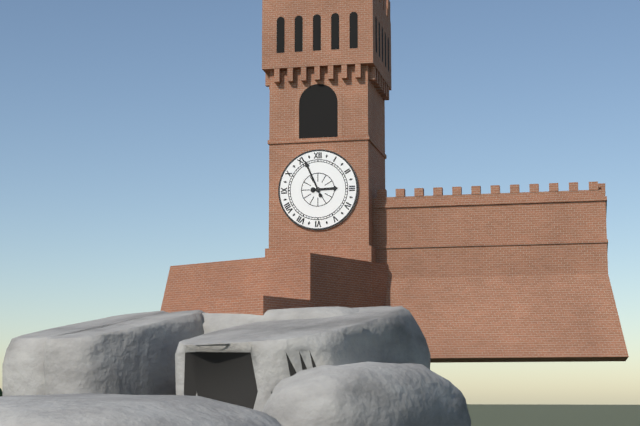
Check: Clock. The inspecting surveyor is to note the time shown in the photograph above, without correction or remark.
2:56
